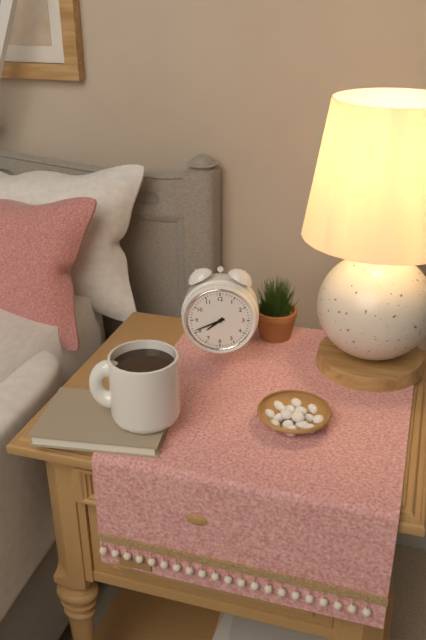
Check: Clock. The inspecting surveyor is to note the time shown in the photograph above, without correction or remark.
7:41
